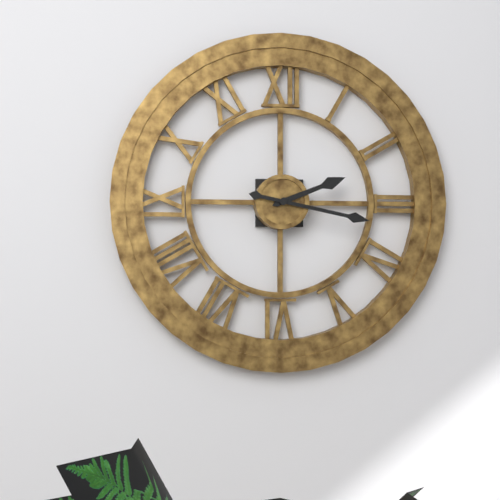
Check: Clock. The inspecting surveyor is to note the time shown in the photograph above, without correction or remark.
2:17
